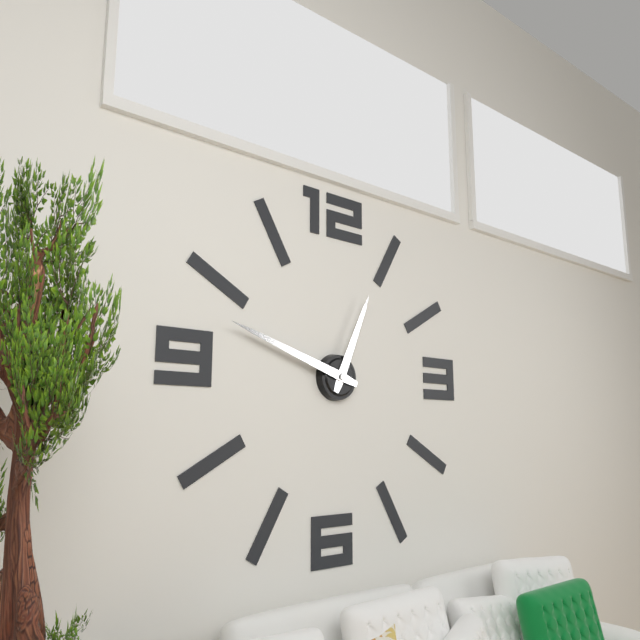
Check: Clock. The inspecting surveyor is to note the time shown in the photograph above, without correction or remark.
12:48
